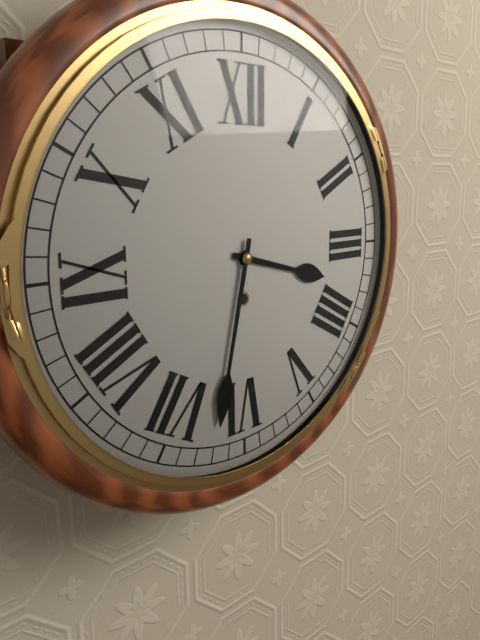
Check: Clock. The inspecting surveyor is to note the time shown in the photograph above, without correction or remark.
3:32
